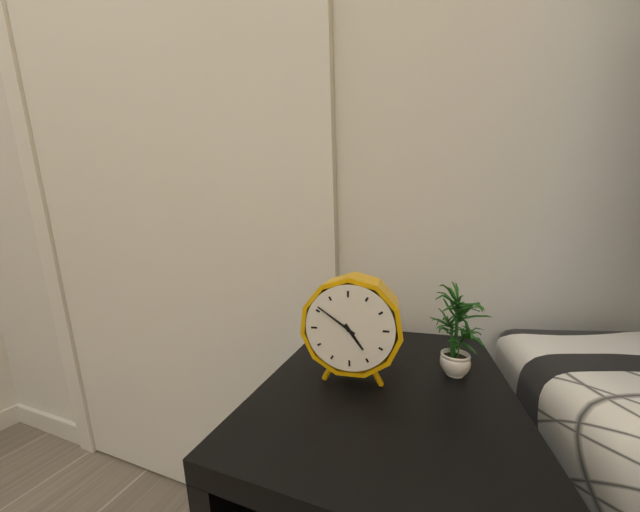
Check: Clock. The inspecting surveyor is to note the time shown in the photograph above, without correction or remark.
4:51
